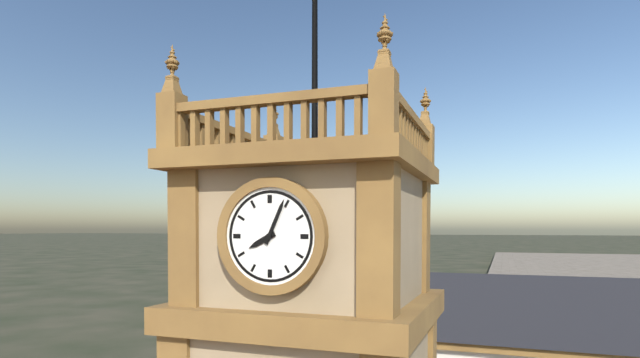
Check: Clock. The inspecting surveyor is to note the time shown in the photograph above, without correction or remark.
8:04
